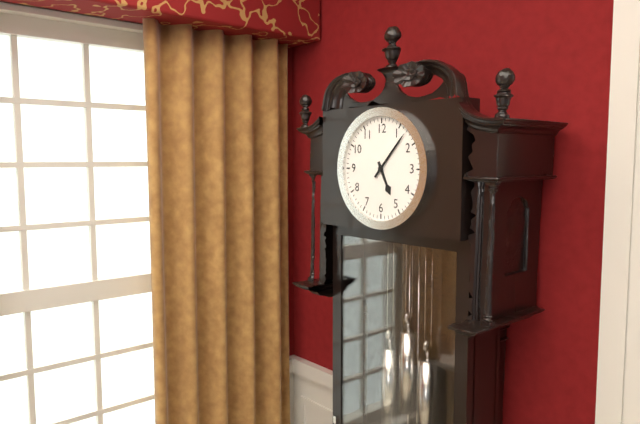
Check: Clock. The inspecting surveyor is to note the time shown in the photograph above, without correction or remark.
5:07
